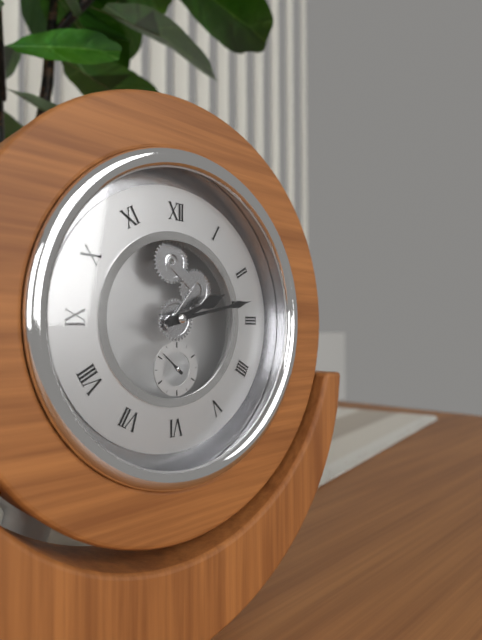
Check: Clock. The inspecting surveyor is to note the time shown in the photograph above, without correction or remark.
2:13
